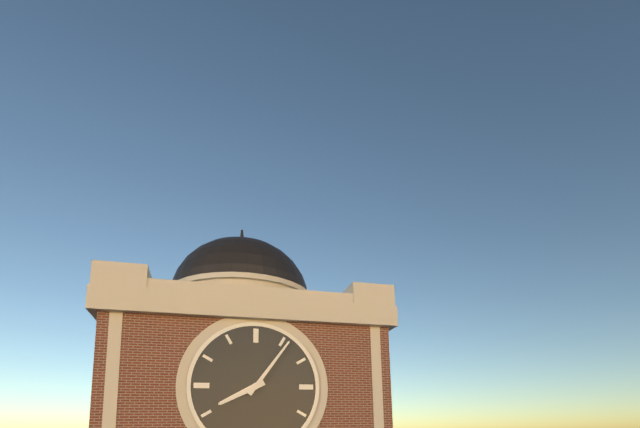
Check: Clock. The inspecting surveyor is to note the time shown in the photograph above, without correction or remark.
8:06
